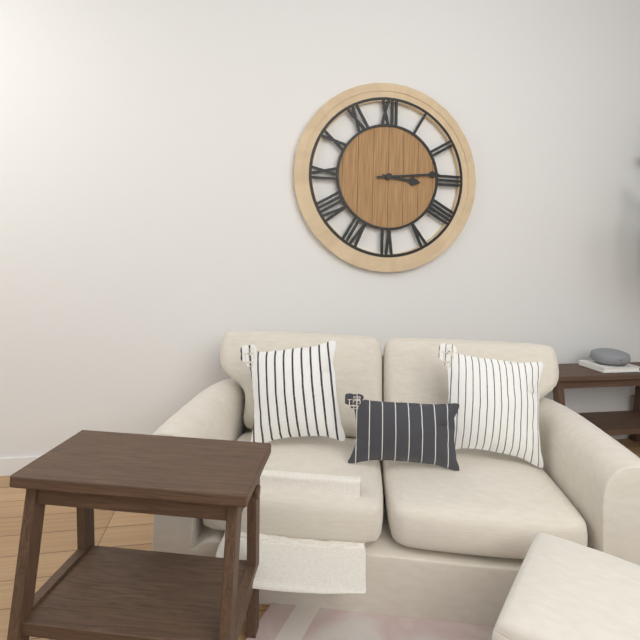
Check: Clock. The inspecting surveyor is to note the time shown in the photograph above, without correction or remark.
3:14
